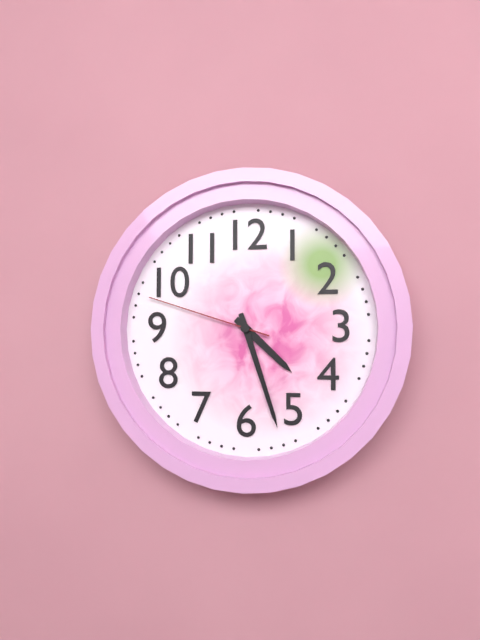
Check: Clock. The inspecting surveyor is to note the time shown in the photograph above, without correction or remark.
4:27:48
